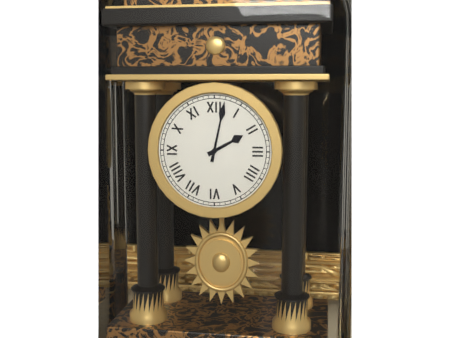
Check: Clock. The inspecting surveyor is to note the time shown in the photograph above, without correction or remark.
2:02
